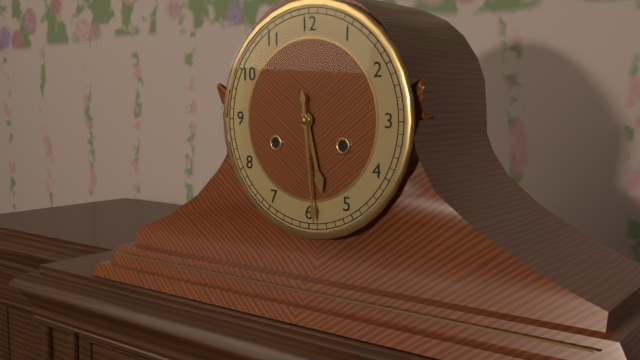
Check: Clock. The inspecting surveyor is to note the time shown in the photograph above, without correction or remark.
5:29
